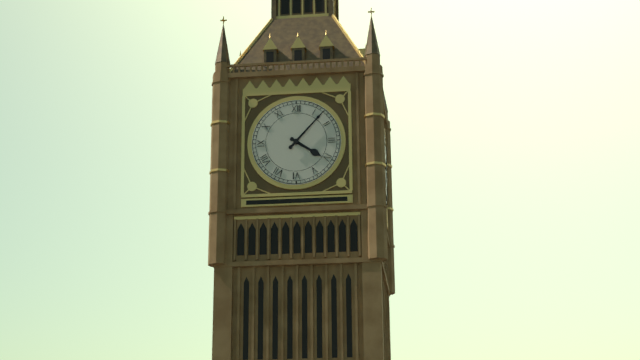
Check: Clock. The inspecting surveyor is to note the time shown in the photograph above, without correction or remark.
4:07
